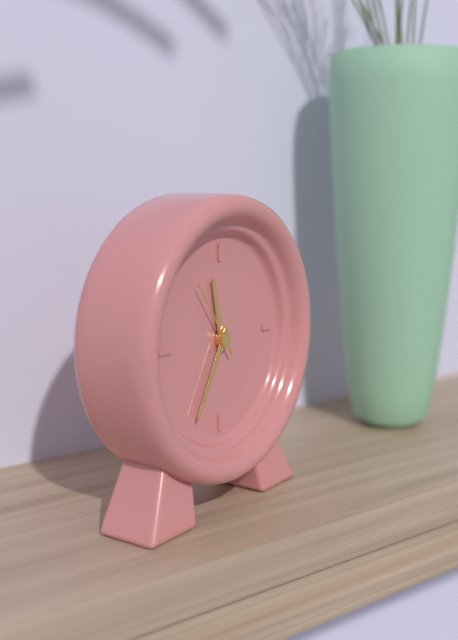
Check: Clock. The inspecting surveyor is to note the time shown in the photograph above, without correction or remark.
11:35:54
